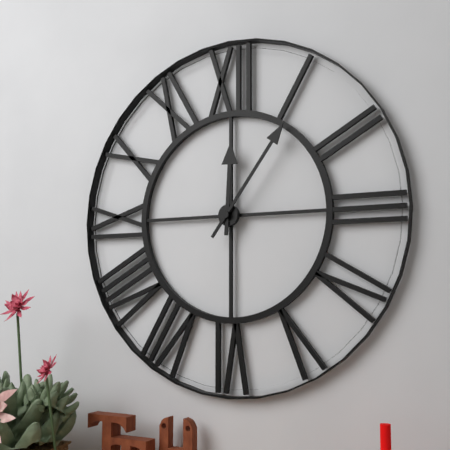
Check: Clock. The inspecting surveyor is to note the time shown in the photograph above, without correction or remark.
12:06
